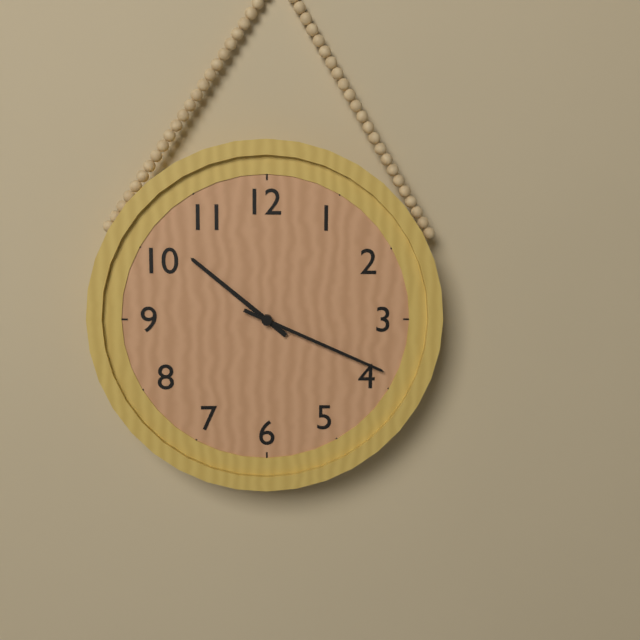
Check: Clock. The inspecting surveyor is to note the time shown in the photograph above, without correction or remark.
10:19
